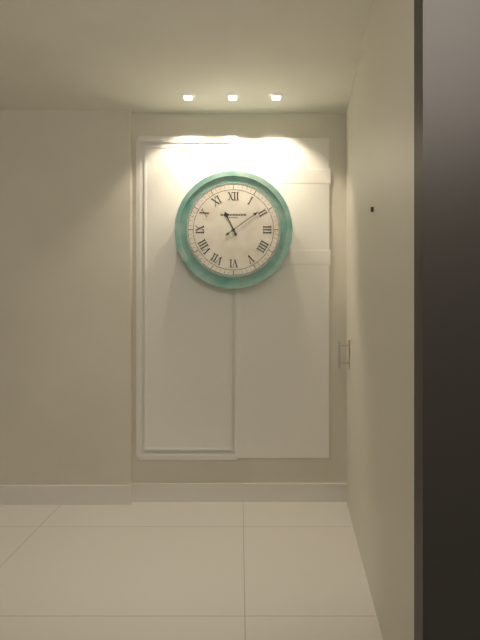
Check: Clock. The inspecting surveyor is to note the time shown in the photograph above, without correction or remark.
11:09
